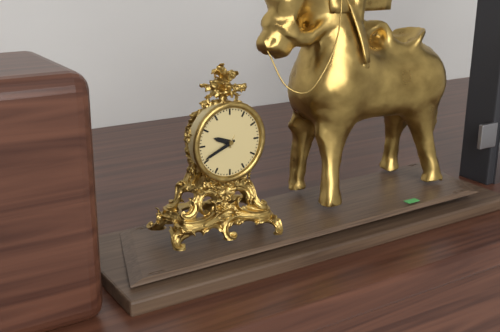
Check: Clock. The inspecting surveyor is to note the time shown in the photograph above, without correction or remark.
9:41
